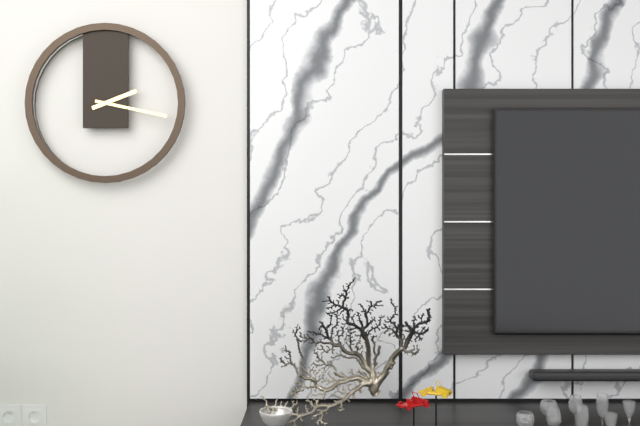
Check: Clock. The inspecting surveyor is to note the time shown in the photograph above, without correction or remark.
2:17
